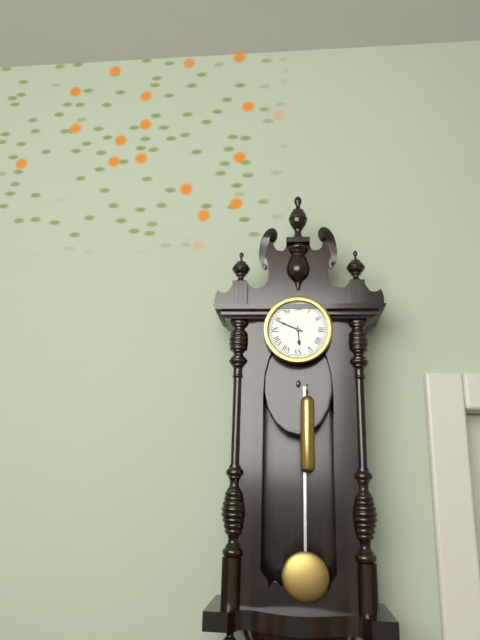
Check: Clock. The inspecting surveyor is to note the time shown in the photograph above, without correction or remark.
5:49
